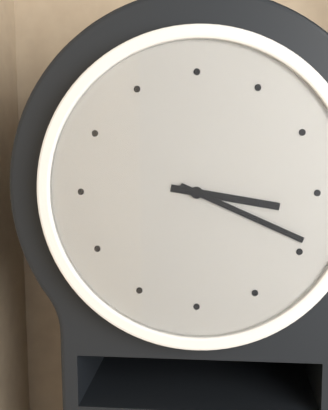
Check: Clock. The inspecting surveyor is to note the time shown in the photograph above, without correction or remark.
3:19
